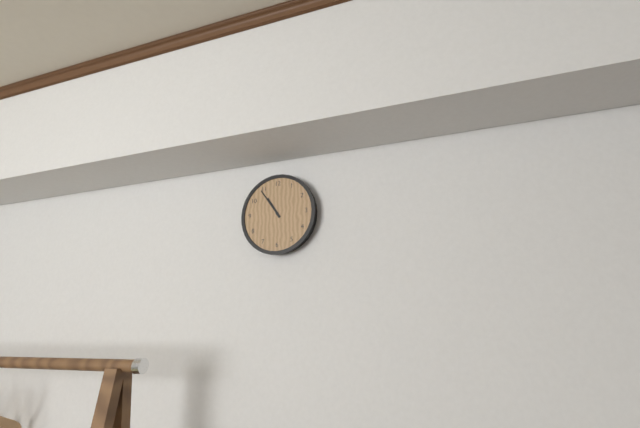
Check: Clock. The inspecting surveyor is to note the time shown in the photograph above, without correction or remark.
10:54
